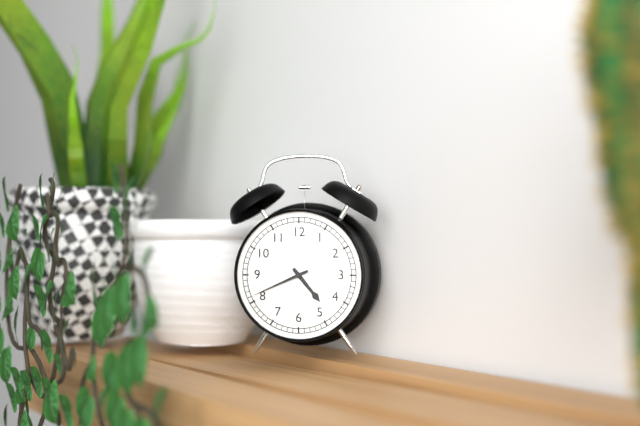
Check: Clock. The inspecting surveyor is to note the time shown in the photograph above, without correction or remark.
4:41
